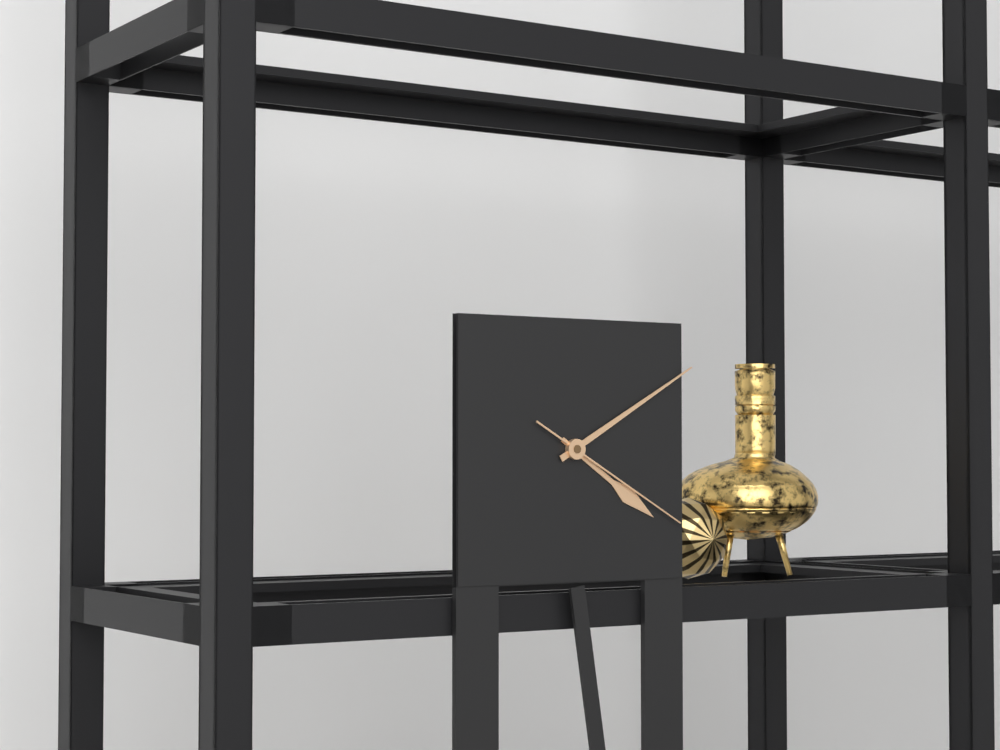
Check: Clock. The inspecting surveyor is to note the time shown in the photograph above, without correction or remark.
4:10:20
